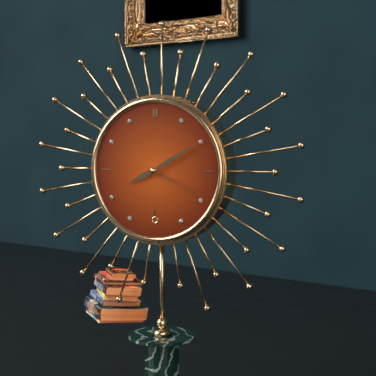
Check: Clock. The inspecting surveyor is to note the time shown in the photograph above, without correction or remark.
8:10:19
